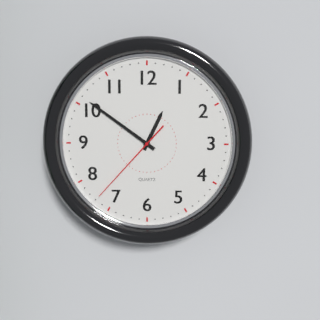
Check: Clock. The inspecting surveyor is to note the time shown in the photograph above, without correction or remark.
12:51:37
